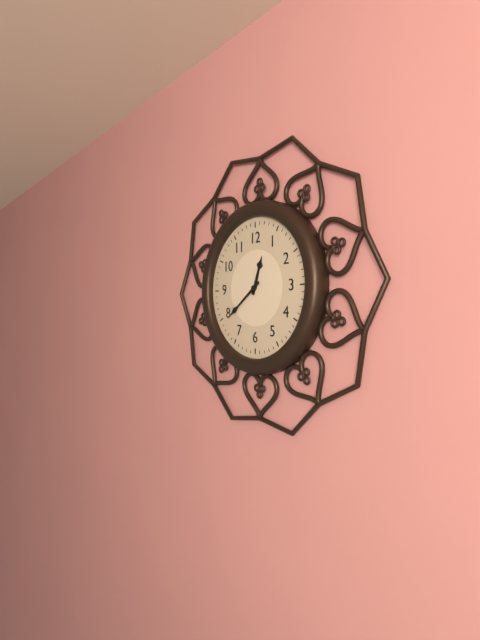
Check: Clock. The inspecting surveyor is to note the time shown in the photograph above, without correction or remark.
12:39
